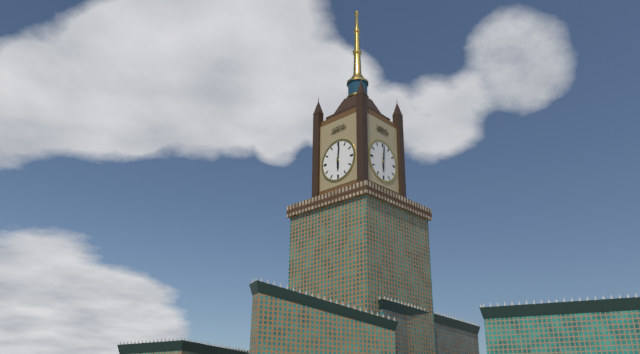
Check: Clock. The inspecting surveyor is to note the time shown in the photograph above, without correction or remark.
6:01
